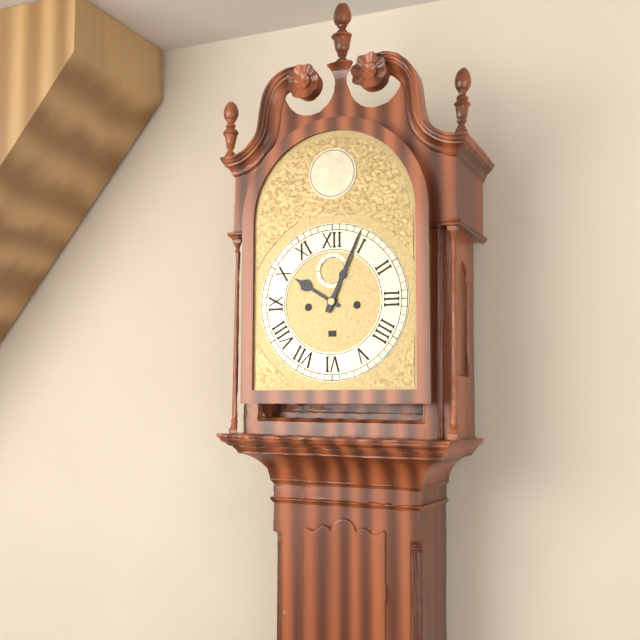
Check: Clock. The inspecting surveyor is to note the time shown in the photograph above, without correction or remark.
10:04
